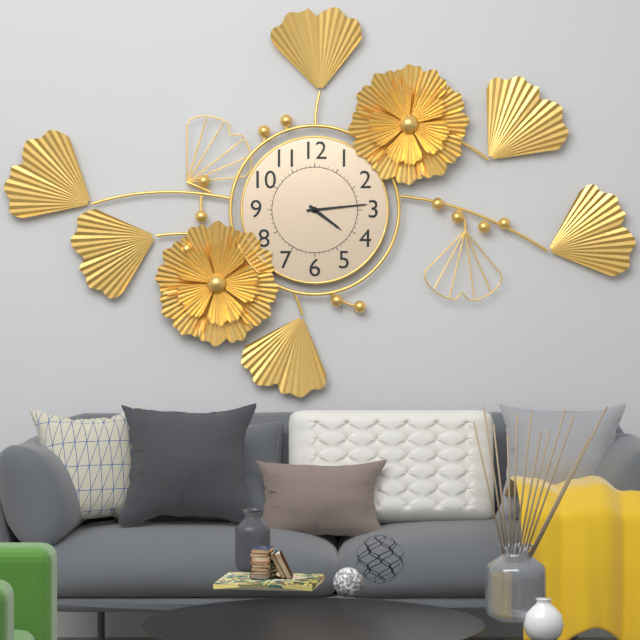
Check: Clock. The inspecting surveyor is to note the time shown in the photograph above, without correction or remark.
4:14
